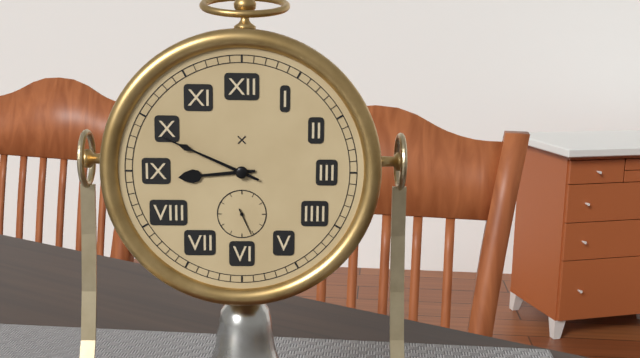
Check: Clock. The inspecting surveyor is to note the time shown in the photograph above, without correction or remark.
8:49
